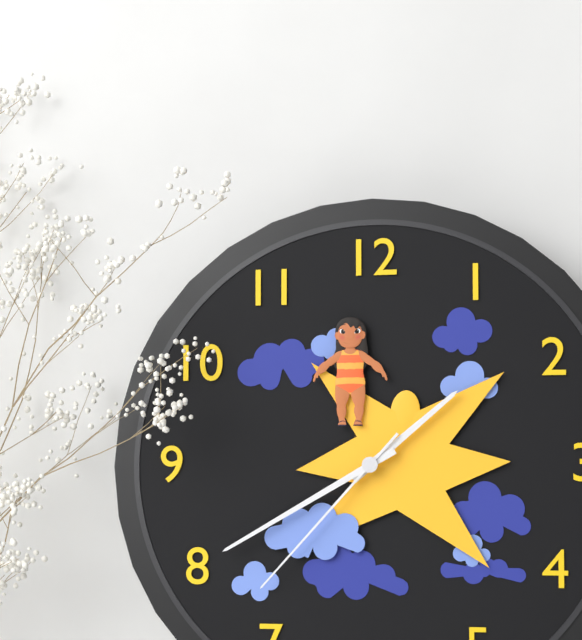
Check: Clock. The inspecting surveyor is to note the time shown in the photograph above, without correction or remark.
1:40:37
